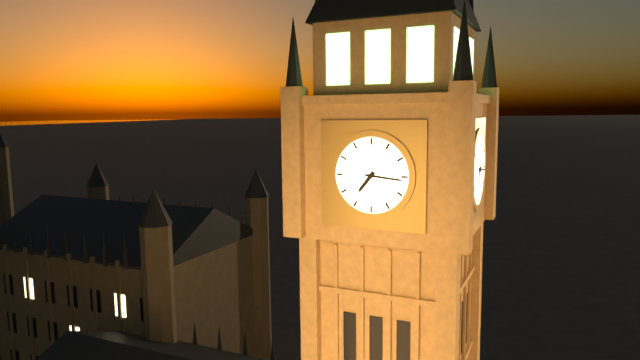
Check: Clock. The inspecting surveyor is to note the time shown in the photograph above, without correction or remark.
7:16
